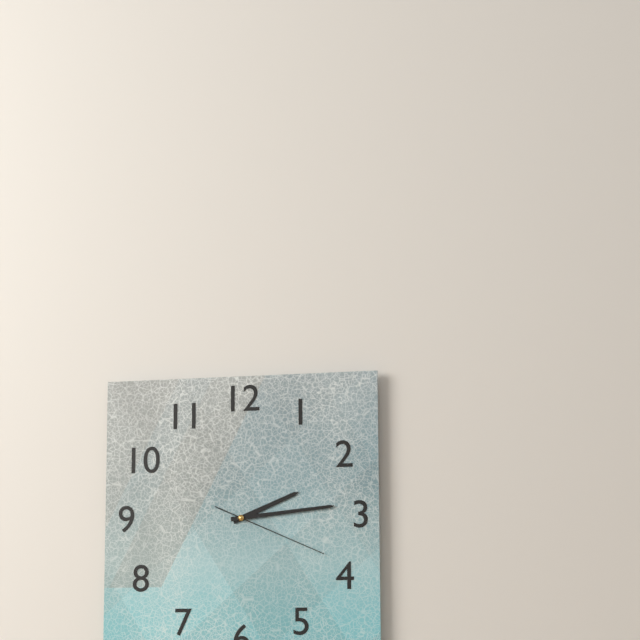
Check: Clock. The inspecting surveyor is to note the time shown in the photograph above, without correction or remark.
2:14:19
